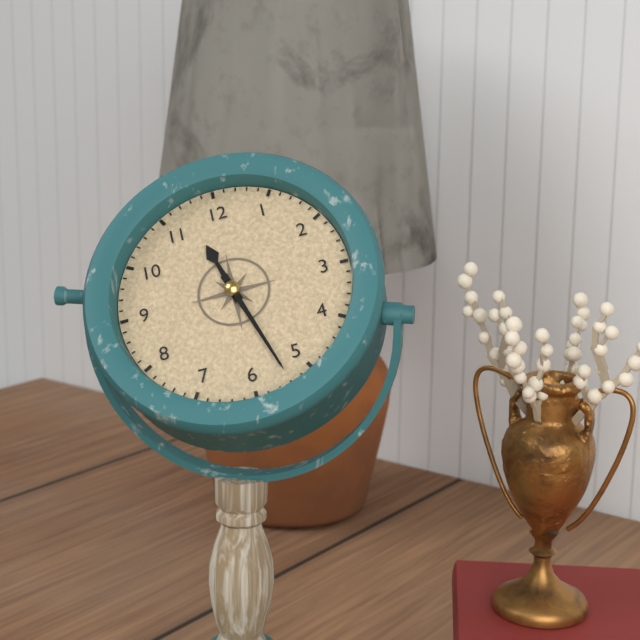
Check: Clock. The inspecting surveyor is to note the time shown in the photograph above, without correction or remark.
11:27
